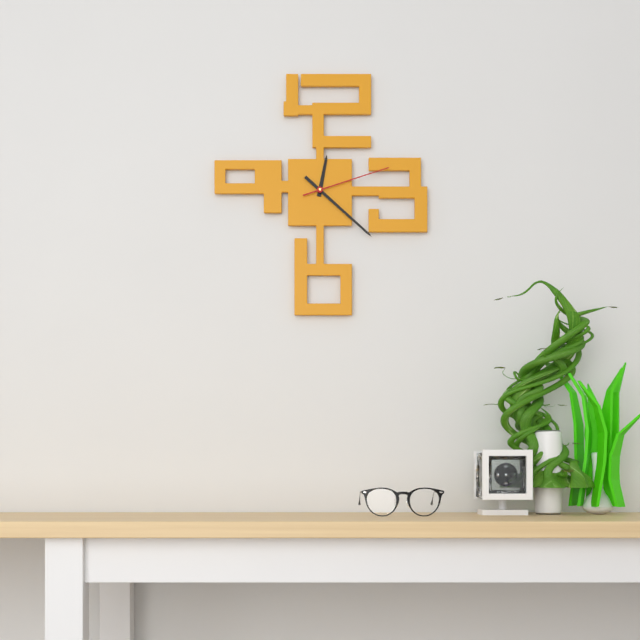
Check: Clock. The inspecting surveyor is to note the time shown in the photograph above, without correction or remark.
12:22:12
